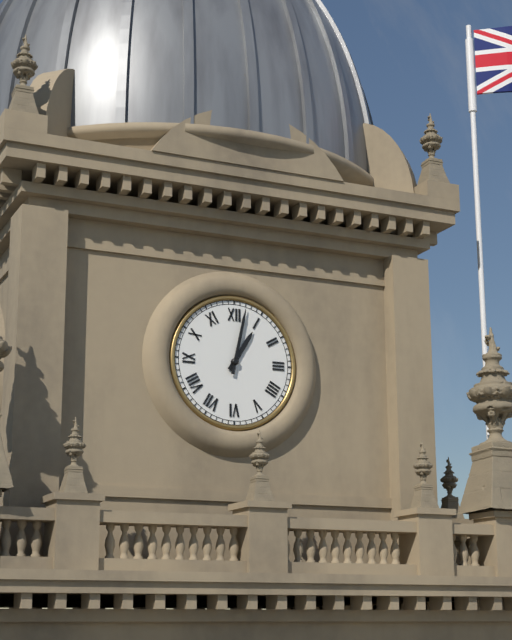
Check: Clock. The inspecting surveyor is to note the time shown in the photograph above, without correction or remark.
1:02
